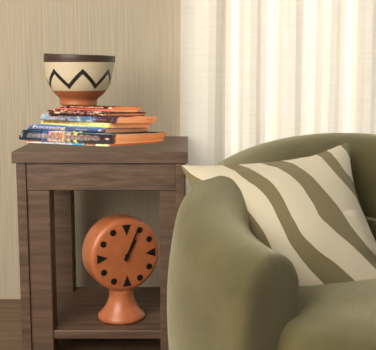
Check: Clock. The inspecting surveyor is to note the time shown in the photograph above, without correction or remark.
1:04
